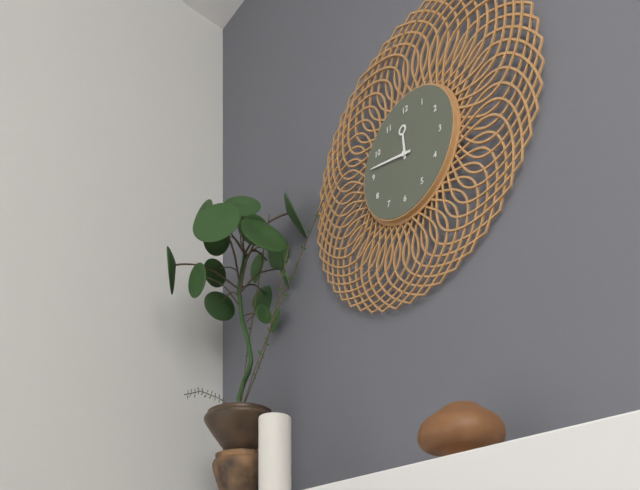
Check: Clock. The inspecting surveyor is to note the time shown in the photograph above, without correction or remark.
11:47
